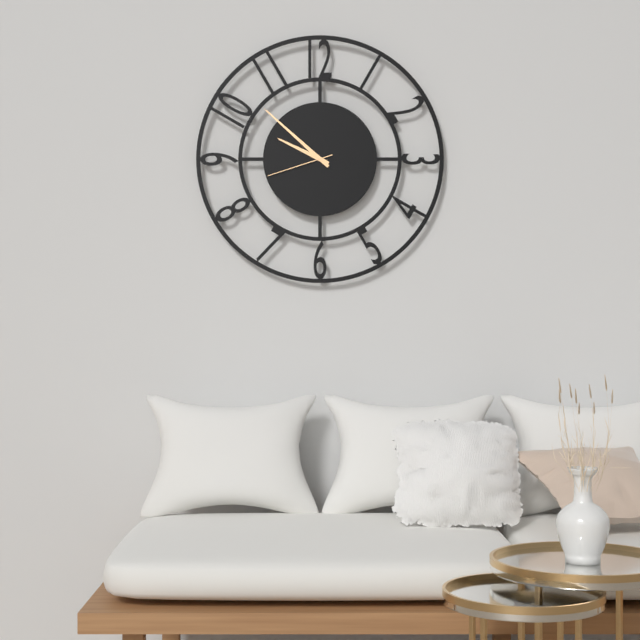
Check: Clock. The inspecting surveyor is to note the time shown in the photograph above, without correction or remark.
9:52:42
